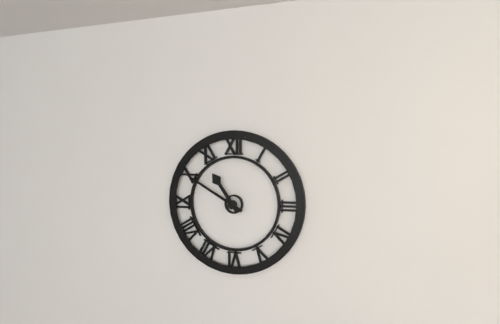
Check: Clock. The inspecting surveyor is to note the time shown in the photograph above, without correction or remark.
10:50
